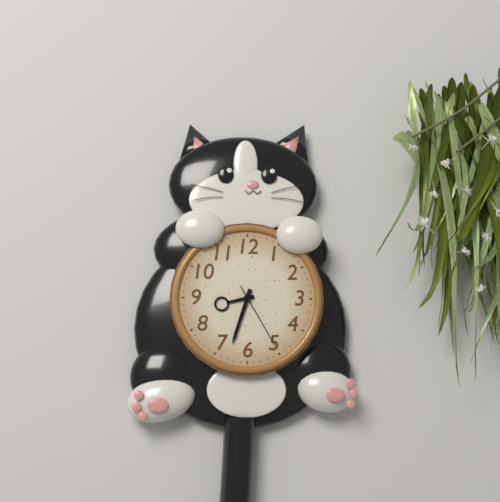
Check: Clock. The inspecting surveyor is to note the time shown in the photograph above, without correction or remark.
8:33:25
